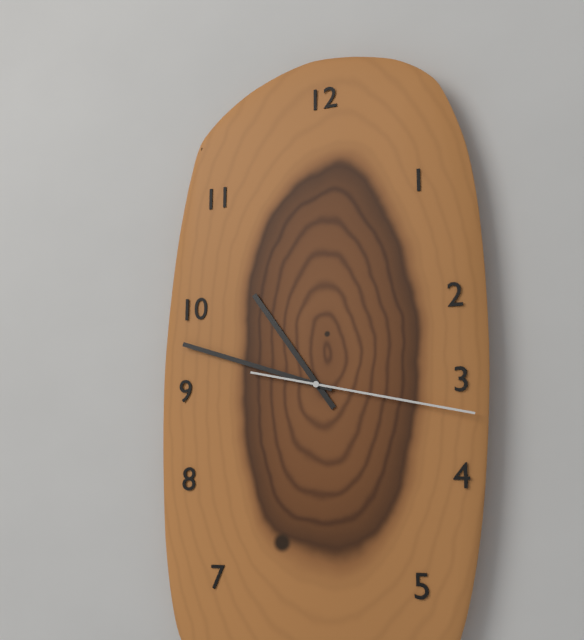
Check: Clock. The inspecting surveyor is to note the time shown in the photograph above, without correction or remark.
10:48:17
